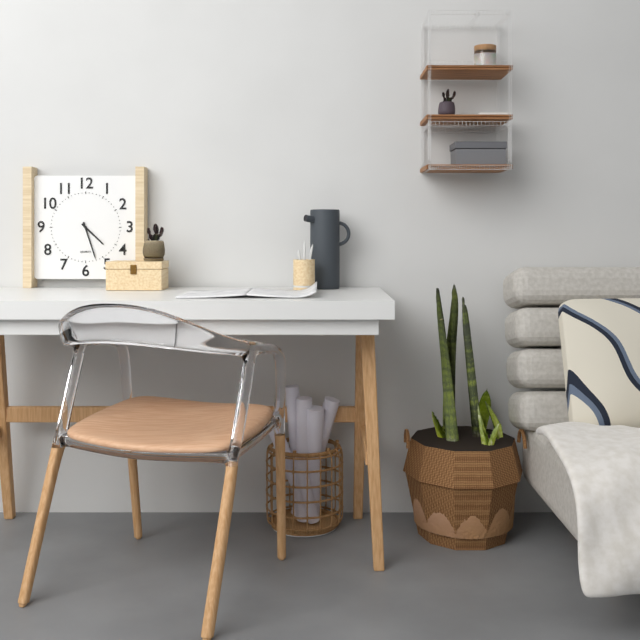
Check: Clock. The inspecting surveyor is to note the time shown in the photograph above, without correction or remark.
4:27
